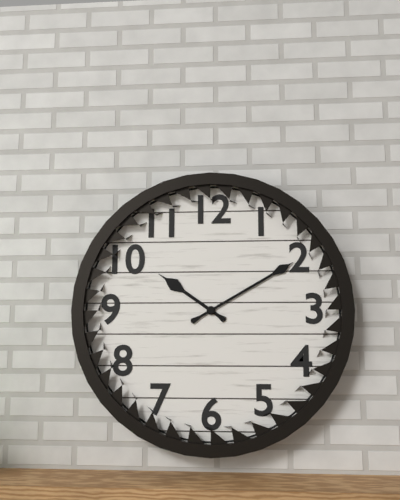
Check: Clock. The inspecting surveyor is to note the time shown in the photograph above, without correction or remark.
10:10
